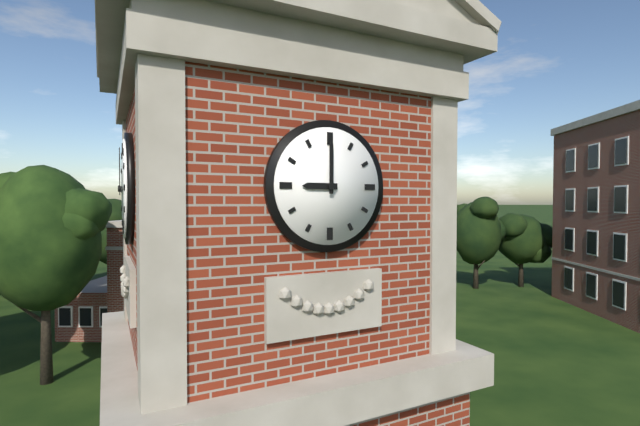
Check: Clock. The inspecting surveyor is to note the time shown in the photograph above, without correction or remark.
9:00
